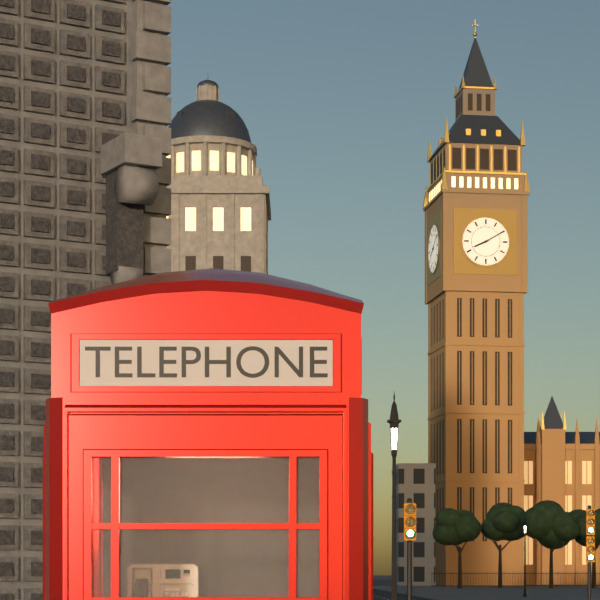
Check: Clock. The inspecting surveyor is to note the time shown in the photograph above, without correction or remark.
8:10
